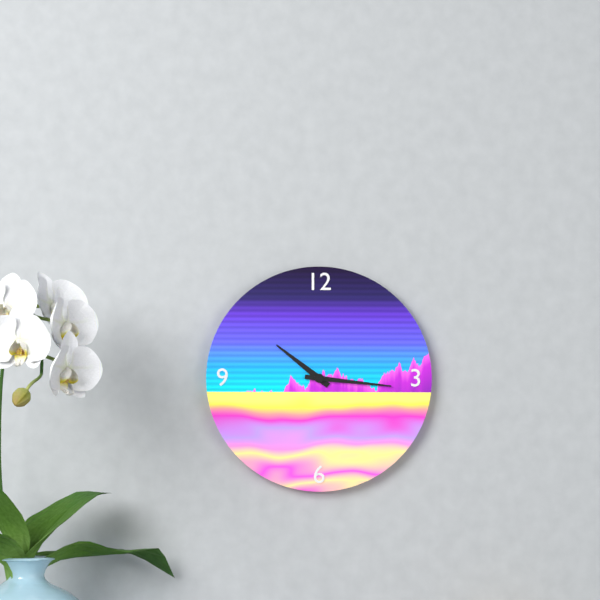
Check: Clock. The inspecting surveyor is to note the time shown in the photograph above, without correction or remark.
10:16
